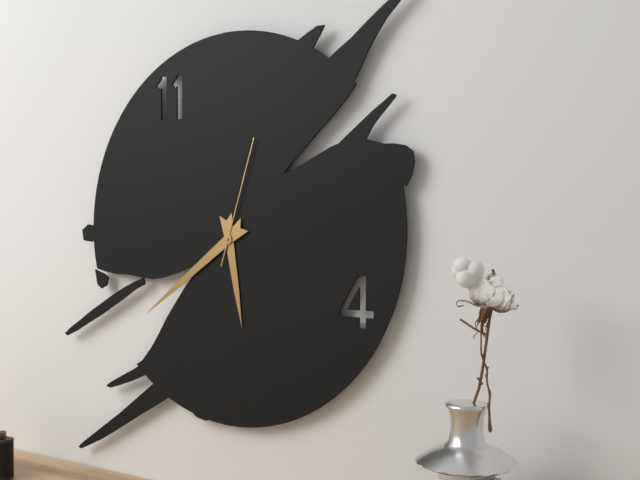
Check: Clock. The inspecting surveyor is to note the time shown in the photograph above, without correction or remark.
5:39:03
